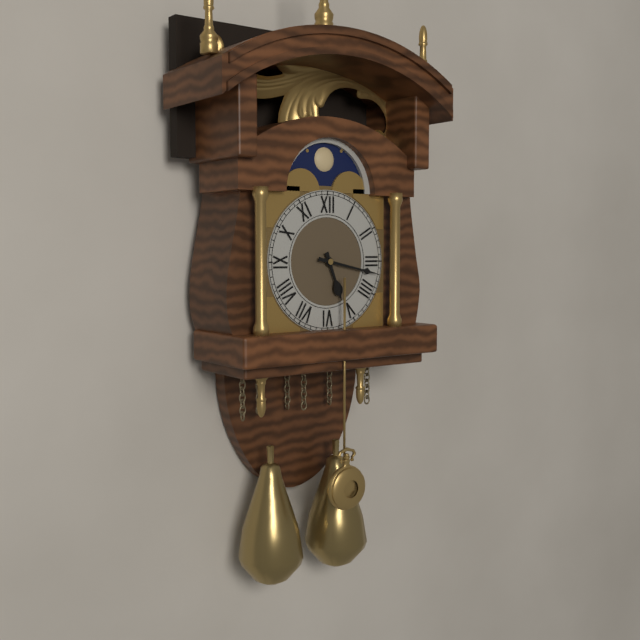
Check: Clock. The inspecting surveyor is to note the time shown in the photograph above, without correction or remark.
5:17
